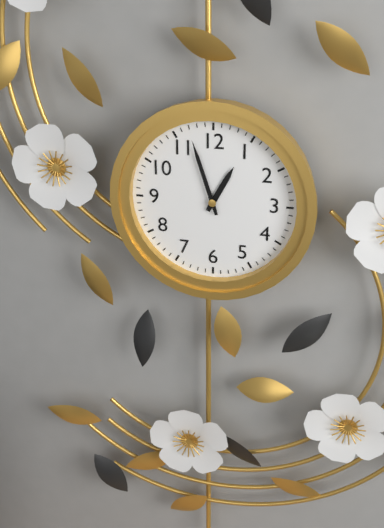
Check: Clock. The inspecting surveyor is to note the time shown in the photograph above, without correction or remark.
12:57
